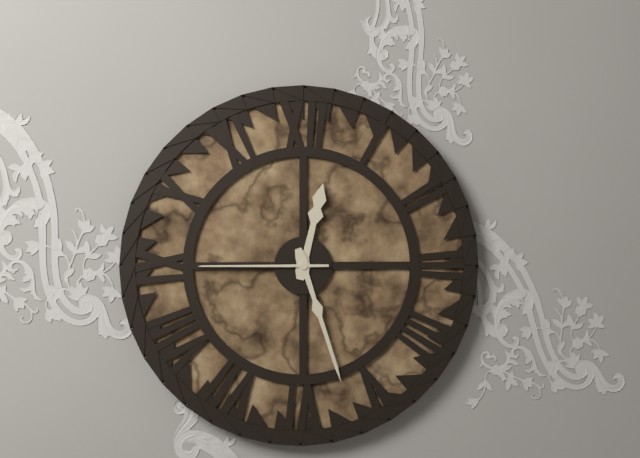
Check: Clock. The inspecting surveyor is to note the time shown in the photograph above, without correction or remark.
12:27:45
